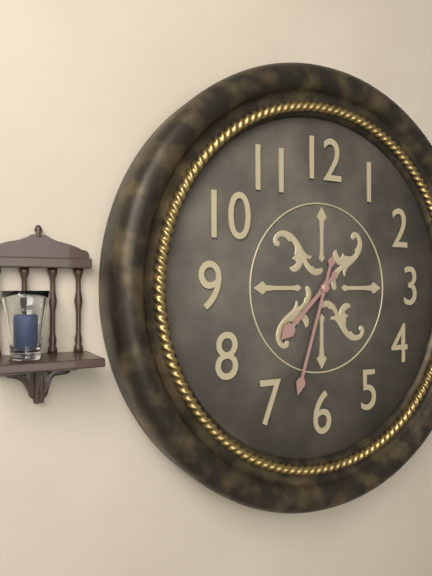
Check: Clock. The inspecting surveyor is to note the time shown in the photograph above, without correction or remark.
7:33
